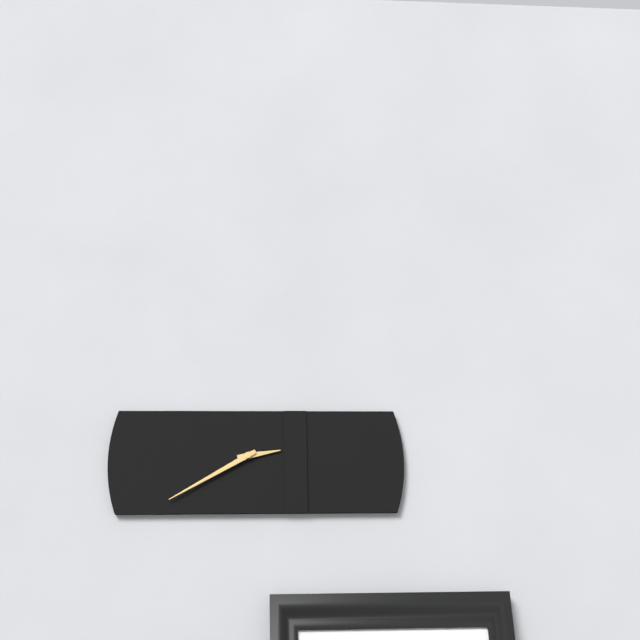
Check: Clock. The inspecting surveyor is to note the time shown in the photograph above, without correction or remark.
2:40
